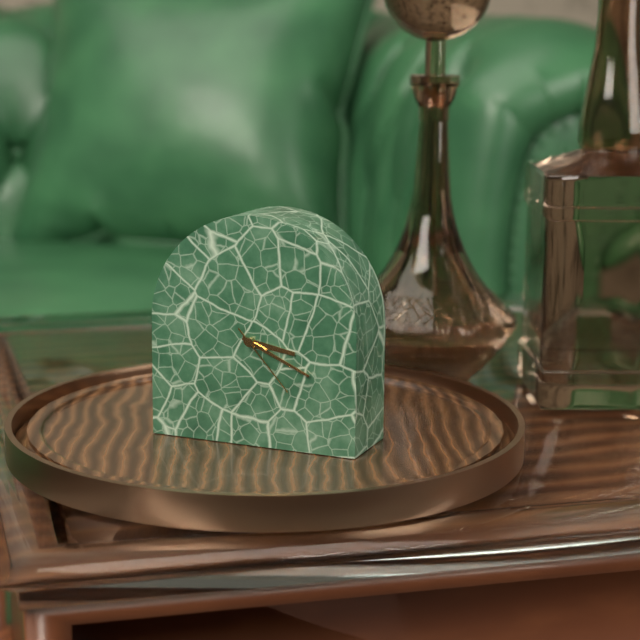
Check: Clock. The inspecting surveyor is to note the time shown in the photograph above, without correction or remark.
3:19:23
